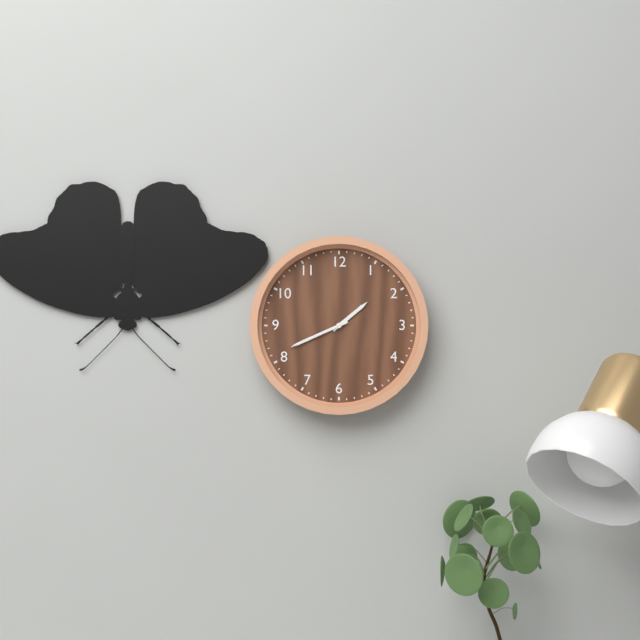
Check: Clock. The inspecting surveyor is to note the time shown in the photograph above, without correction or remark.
1:41
